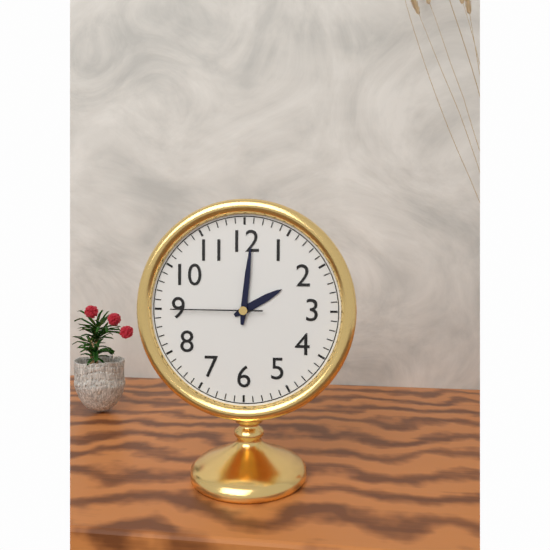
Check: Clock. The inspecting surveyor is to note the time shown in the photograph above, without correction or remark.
2:01:45
